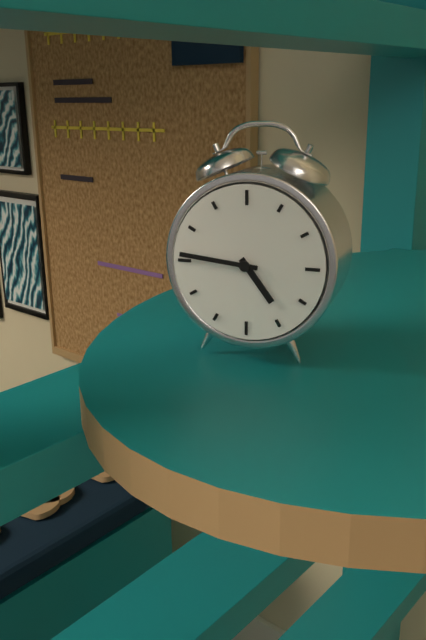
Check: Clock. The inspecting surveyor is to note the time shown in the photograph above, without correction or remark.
4:46
